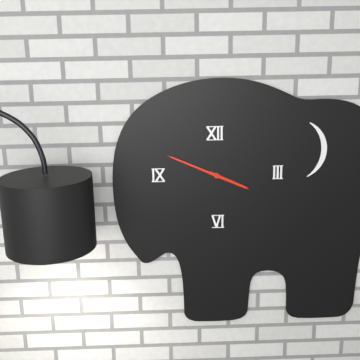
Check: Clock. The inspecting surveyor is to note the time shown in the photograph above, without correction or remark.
3:49
